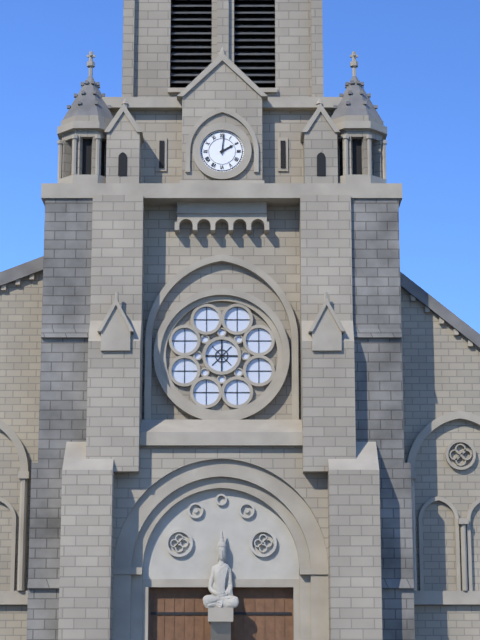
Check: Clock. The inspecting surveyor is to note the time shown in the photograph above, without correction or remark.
2:01
